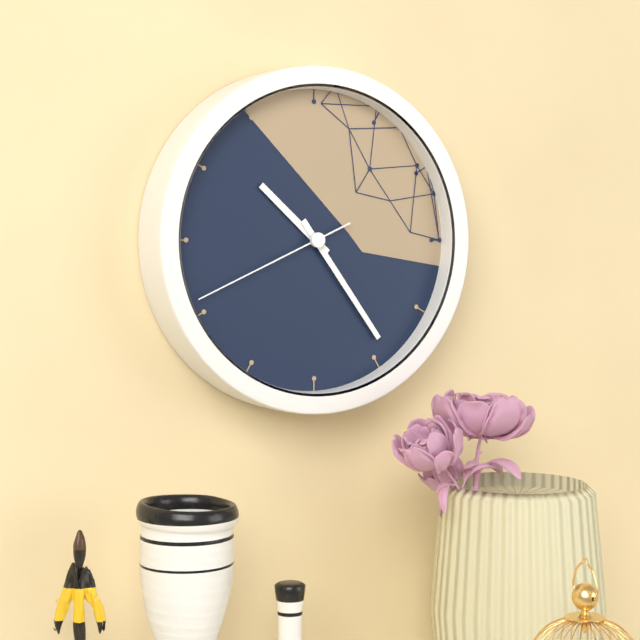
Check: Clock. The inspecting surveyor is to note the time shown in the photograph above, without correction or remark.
10:24:41
